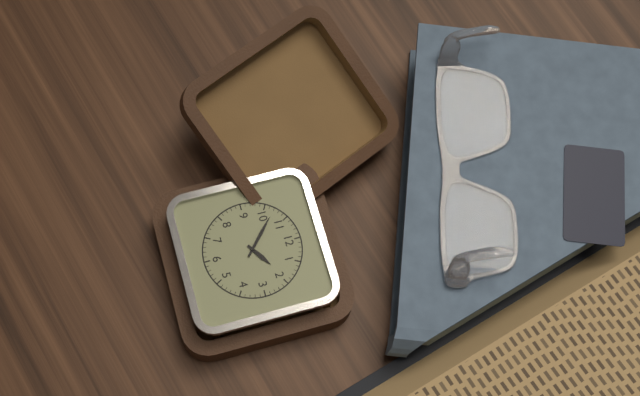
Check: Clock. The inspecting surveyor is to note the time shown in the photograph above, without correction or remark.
1:52
